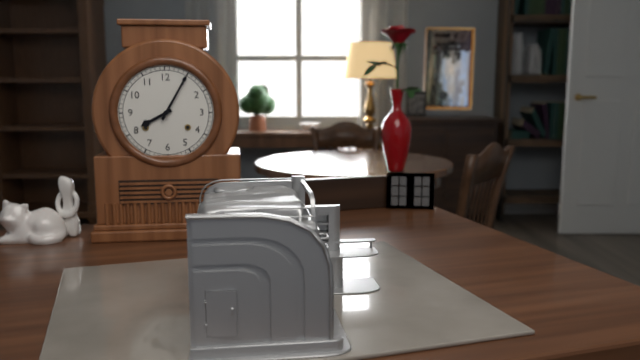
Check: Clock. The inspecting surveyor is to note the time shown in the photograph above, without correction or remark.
8:05
